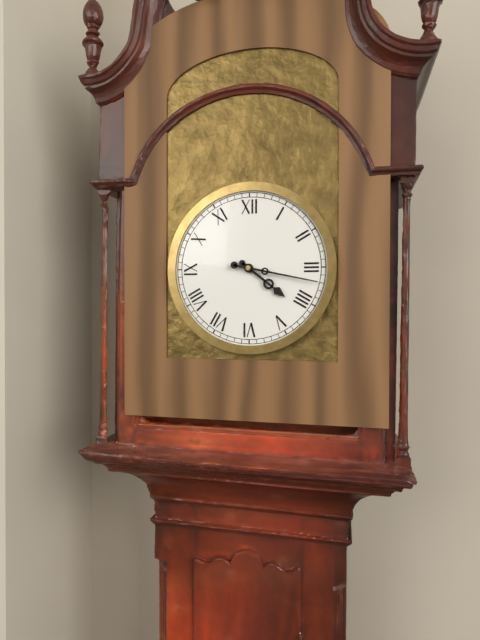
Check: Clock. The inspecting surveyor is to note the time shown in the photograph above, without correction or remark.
4:17
